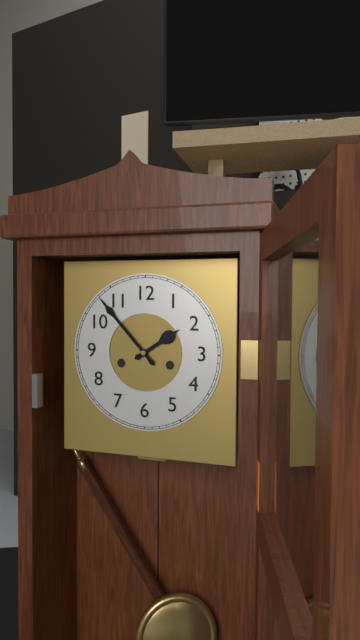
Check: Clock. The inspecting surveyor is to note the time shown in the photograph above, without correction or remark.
1:53
